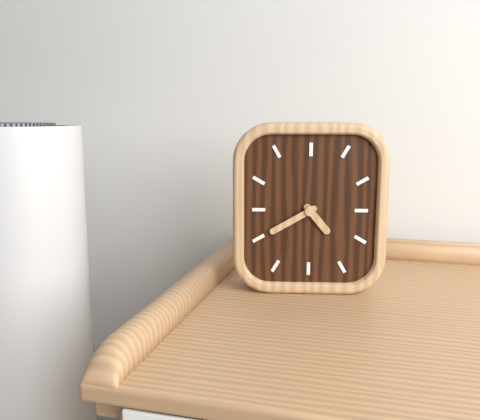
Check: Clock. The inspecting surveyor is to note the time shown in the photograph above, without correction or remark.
4:40
